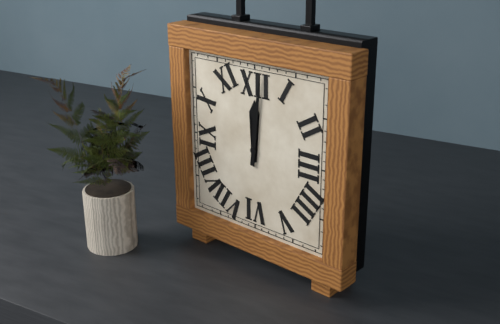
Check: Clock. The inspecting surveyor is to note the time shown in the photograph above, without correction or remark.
12:01
